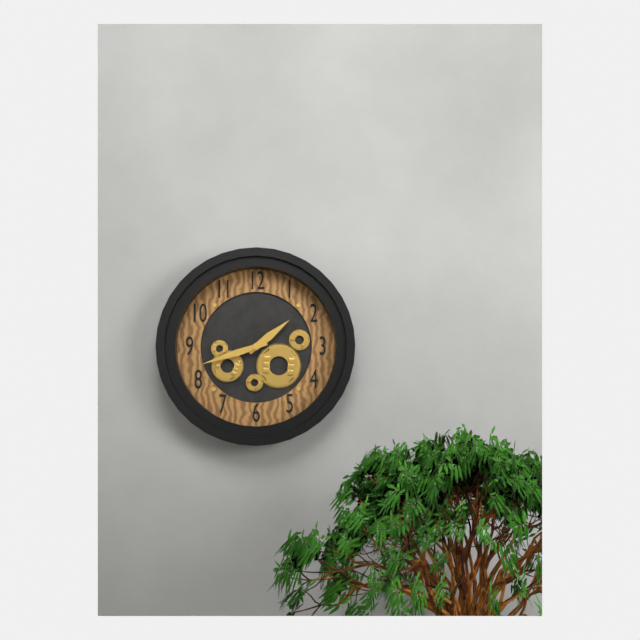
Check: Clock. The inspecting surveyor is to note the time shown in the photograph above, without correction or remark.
1:42
